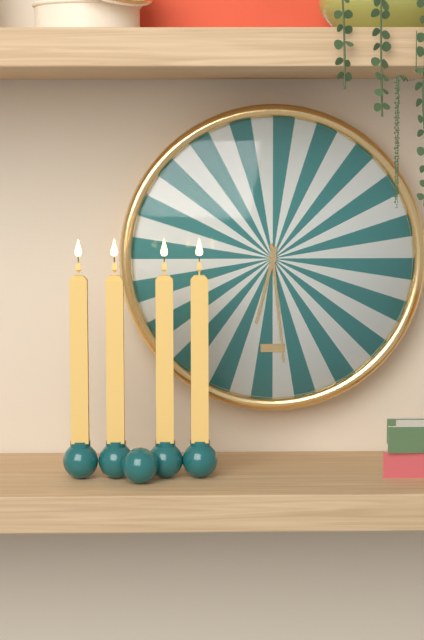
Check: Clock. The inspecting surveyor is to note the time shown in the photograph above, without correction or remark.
6:29
